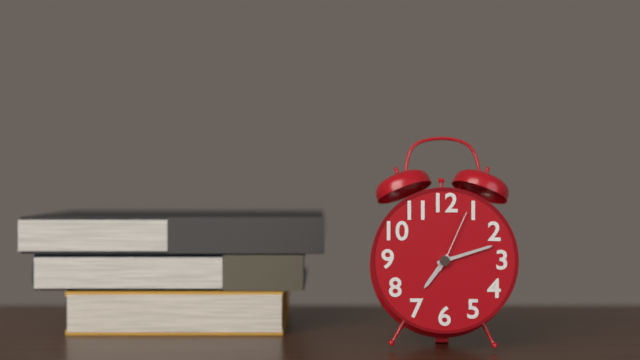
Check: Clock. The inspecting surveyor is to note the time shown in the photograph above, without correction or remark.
7:12:04
